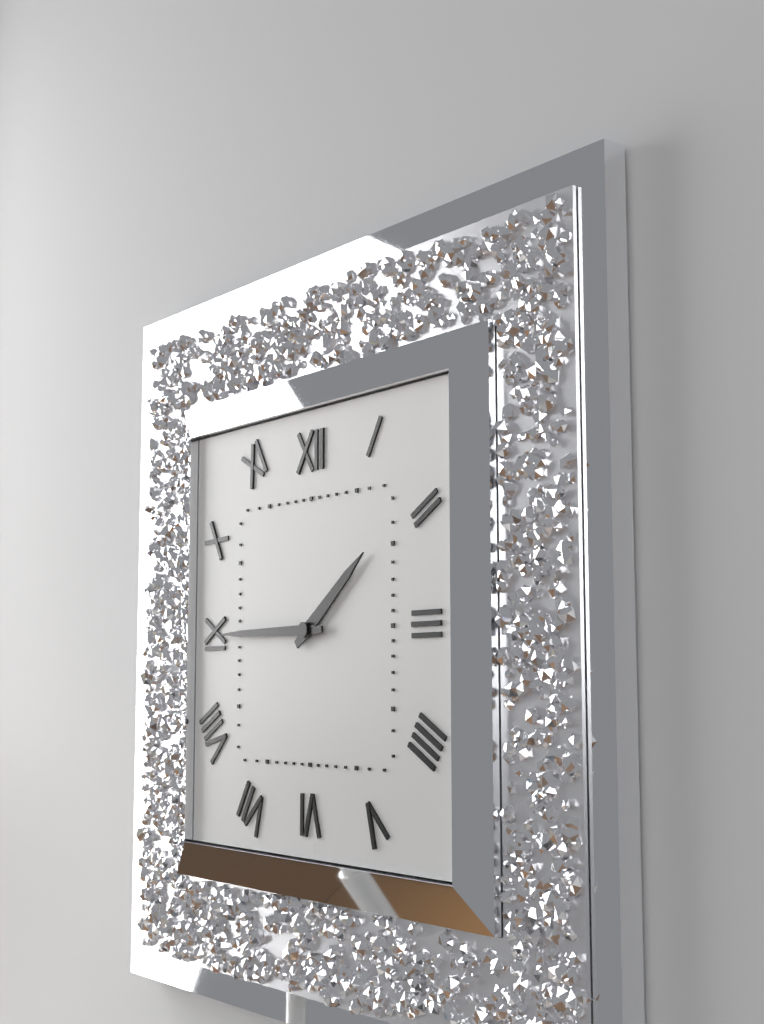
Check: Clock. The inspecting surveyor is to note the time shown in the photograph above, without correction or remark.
1:45
